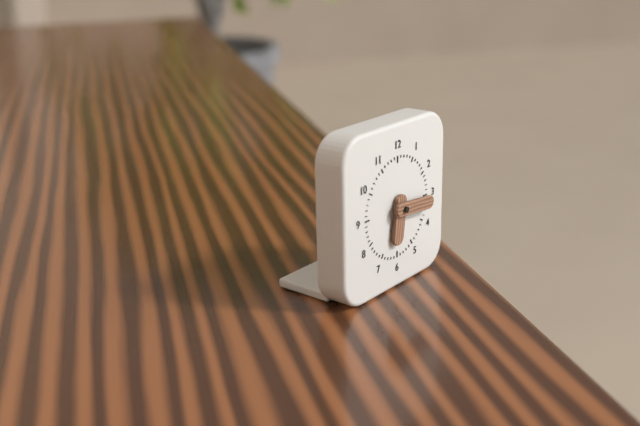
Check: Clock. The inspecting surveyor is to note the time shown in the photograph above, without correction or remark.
6:16
